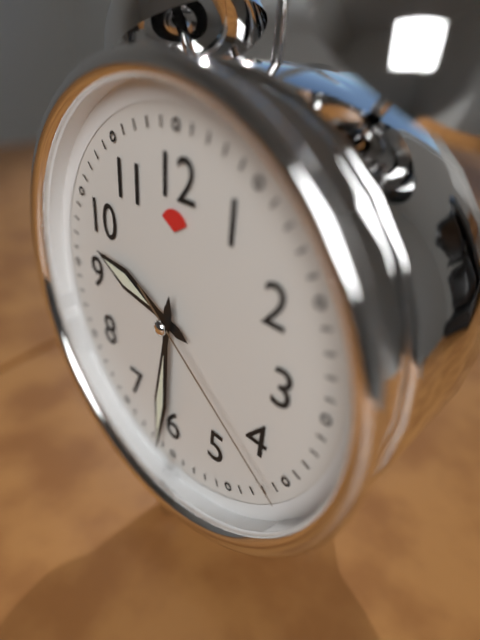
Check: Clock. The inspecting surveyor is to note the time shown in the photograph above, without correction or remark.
9:31:21
